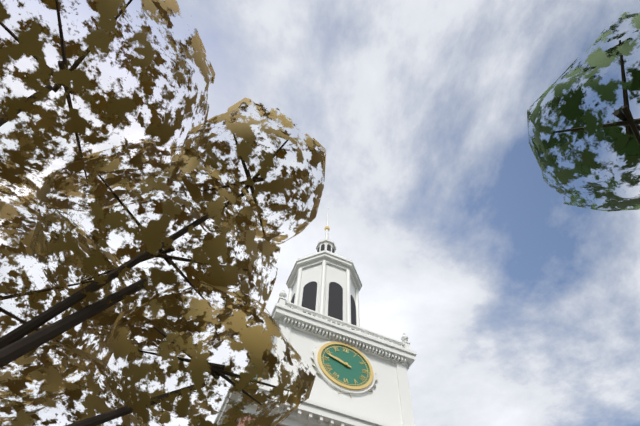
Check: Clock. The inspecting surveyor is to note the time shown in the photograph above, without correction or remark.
9:48
